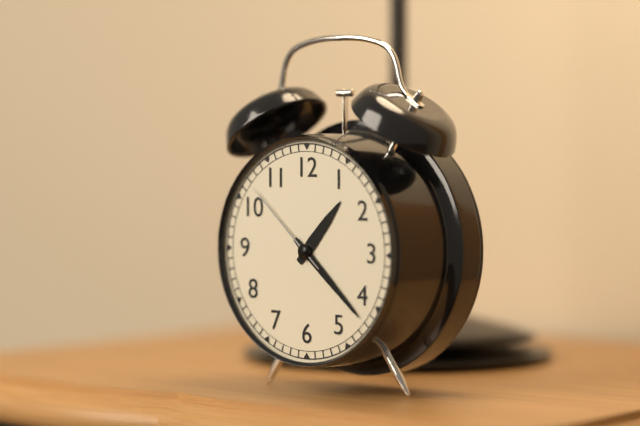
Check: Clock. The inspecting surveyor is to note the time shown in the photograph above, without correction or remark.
1:22:52
